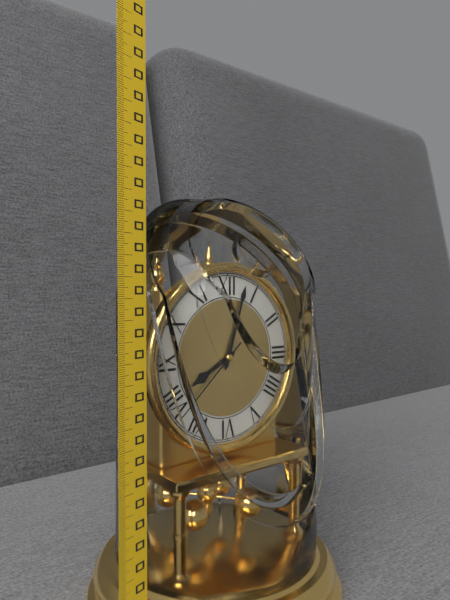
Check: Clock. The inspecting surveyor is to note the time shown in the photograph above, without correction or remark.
8:03:38
